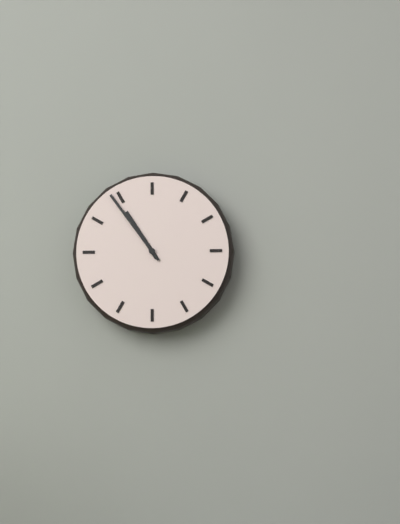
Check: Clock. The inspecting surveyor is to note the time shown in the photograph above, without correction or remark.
10:54
